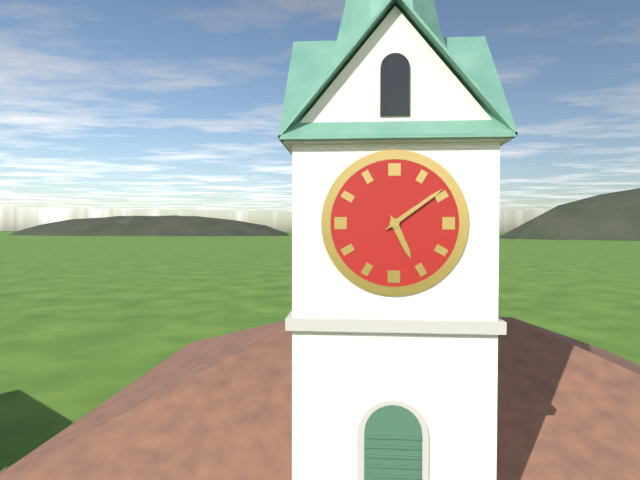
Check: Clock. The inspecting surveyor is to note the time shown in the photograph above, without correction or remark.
5:09
